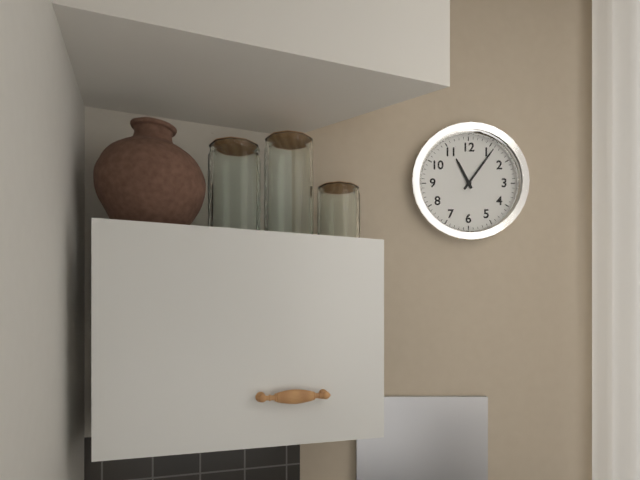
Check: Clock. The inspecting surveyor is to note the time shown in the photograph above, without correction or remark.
11:06
